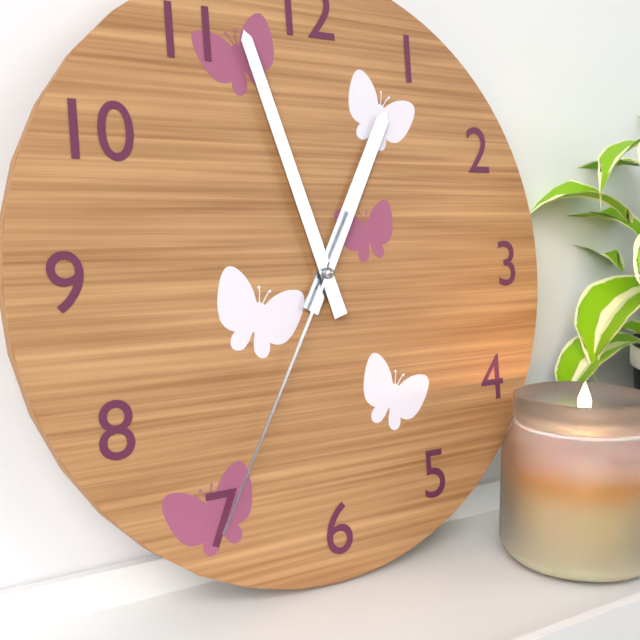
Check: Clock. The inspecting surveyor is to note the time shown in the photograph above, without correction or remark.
12:57:35
